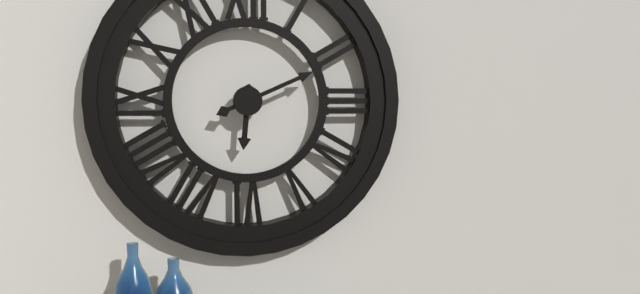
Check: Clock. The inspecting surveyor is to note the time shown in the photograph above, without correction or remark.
6:11
